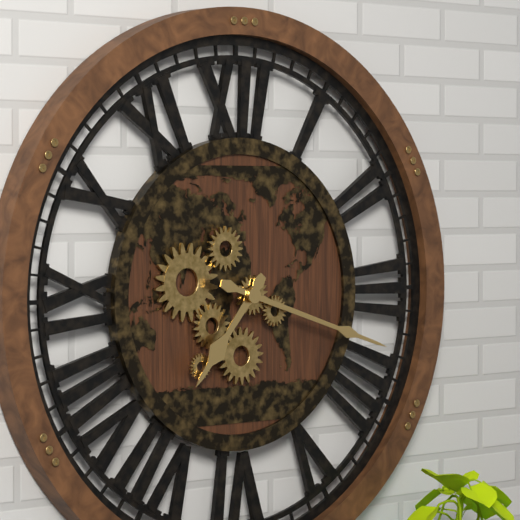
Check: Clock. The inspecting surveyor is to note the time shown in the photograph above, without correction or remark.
7:18
